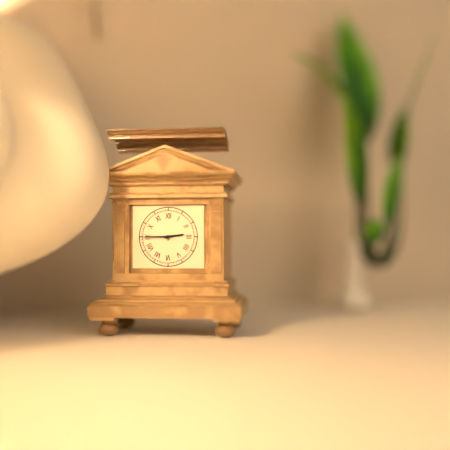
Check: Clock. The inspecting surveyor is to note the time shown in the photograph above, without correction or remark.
2:45
